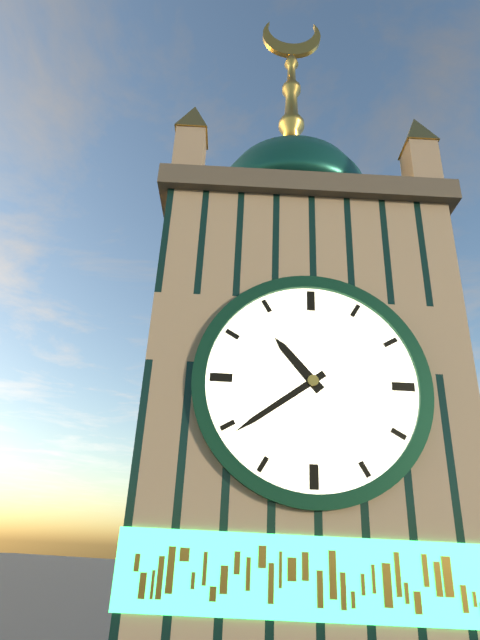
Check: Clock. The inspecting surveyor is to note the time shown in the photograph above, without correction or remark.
10:39
